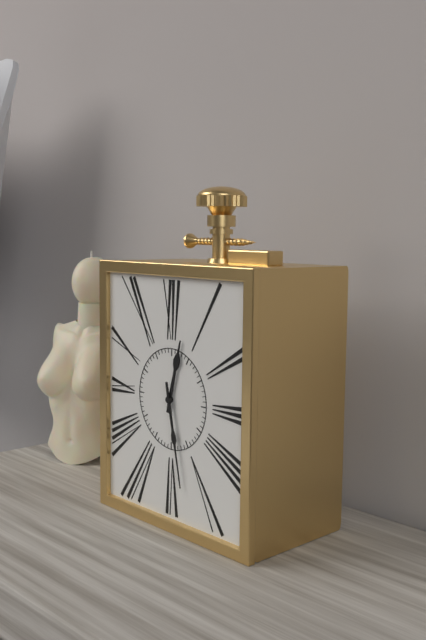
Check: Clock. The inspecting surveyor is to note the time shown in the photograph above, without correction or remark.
12:28
